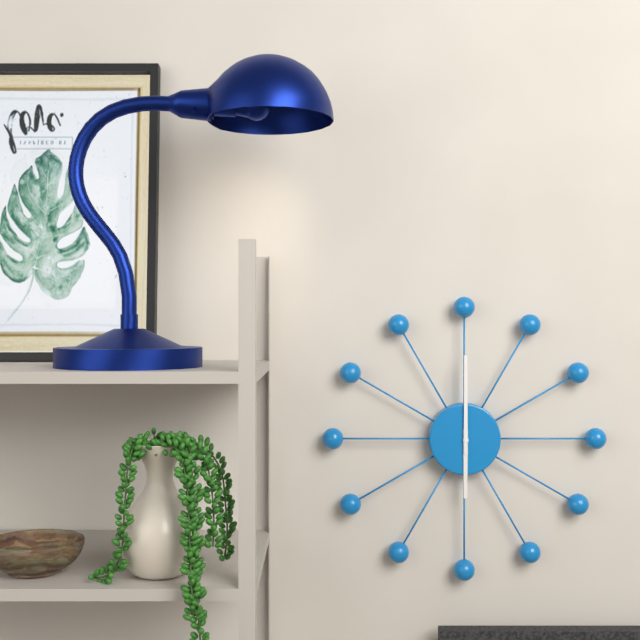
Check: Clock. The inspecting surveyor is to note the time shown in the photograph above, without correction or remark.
6:00
